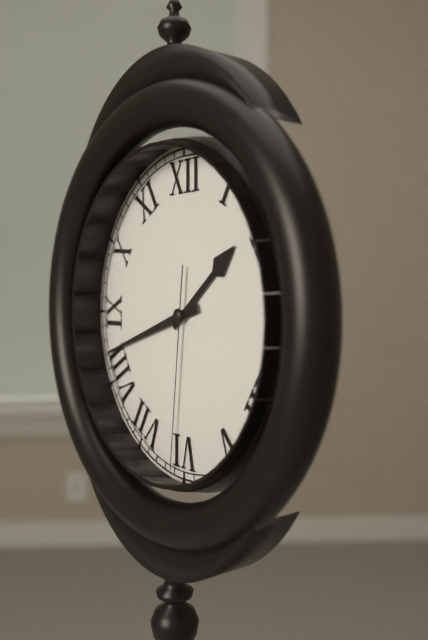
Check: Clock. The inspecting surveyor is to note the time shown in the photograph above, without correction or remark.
1:42:31
